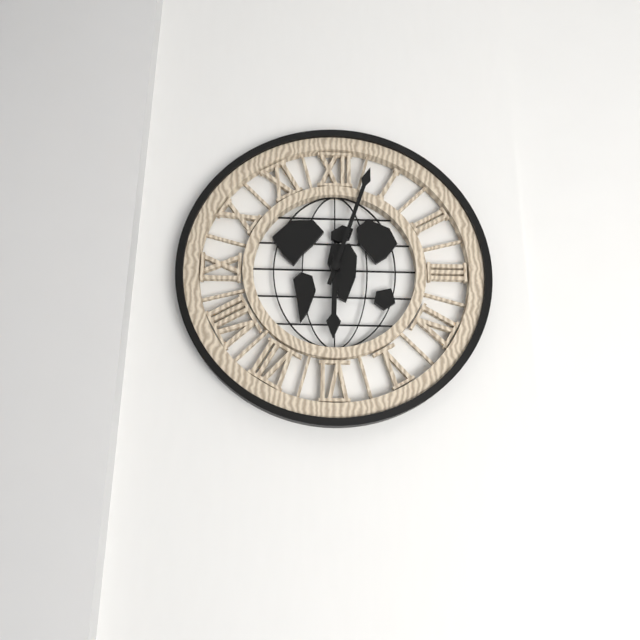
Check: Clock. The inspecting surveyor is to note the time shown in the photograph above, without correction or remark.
6:03
